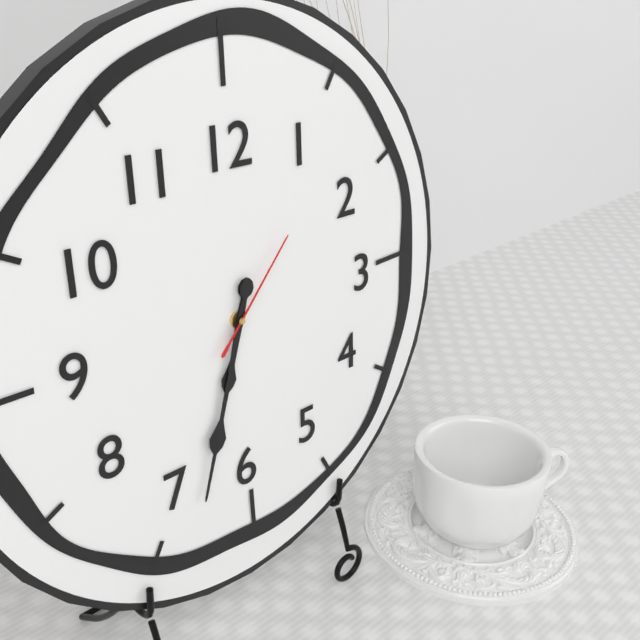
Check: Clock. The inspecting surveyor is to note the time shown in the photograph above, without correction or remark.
6:33:07
